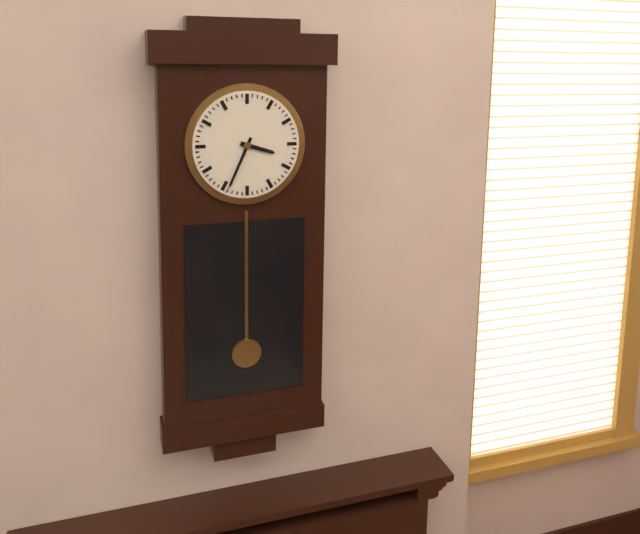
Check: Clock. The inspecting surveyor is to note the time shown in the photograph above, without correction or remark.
3:34
